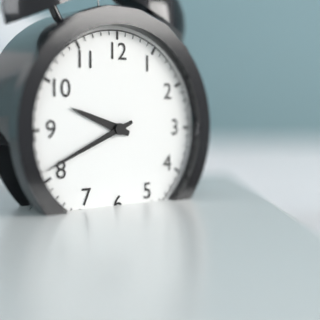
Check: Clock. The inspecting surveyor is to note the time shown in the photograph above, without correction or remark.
9:41
